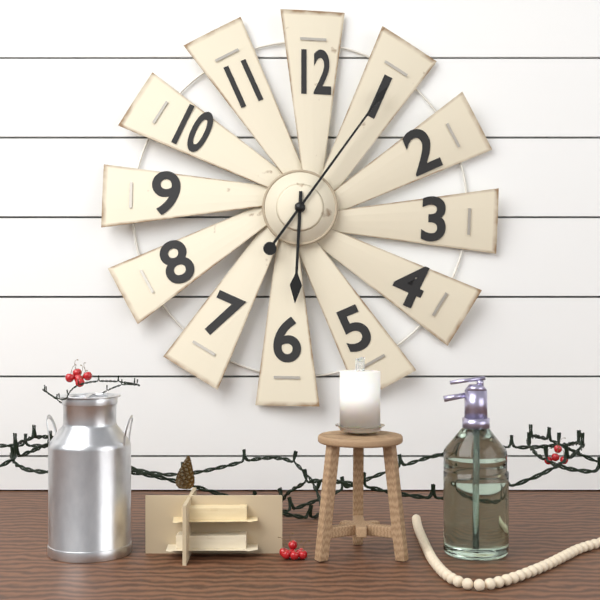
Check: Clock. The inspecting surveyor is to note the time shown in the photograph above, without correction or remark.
6:06
